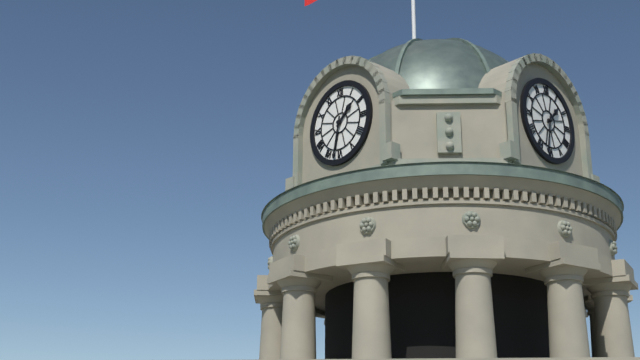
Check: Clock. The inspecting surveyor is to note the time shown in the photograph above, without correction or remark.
1:32
